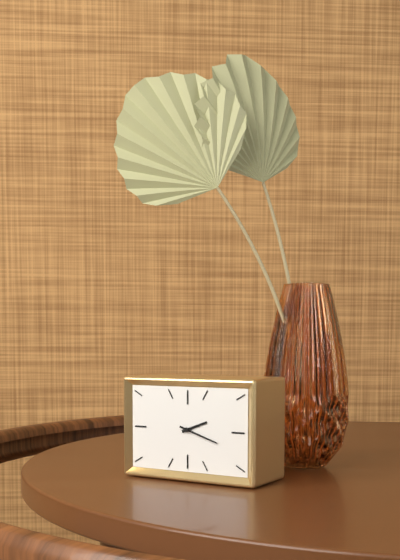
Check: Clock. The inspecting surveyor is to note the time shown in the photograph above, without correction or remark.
2:18
